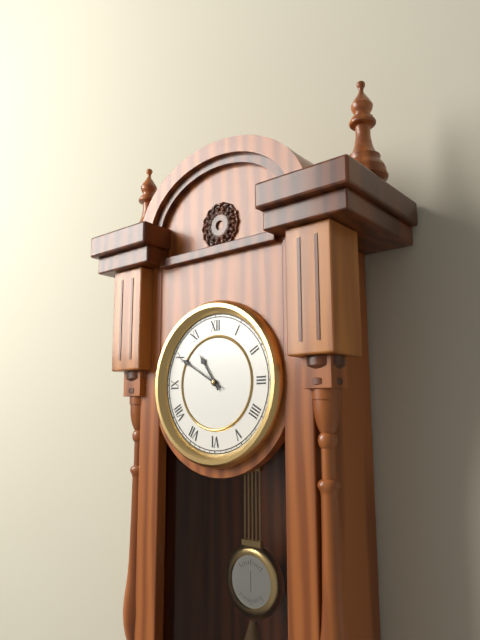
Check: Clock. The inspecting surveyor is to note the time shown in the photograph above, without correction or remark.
10:50
